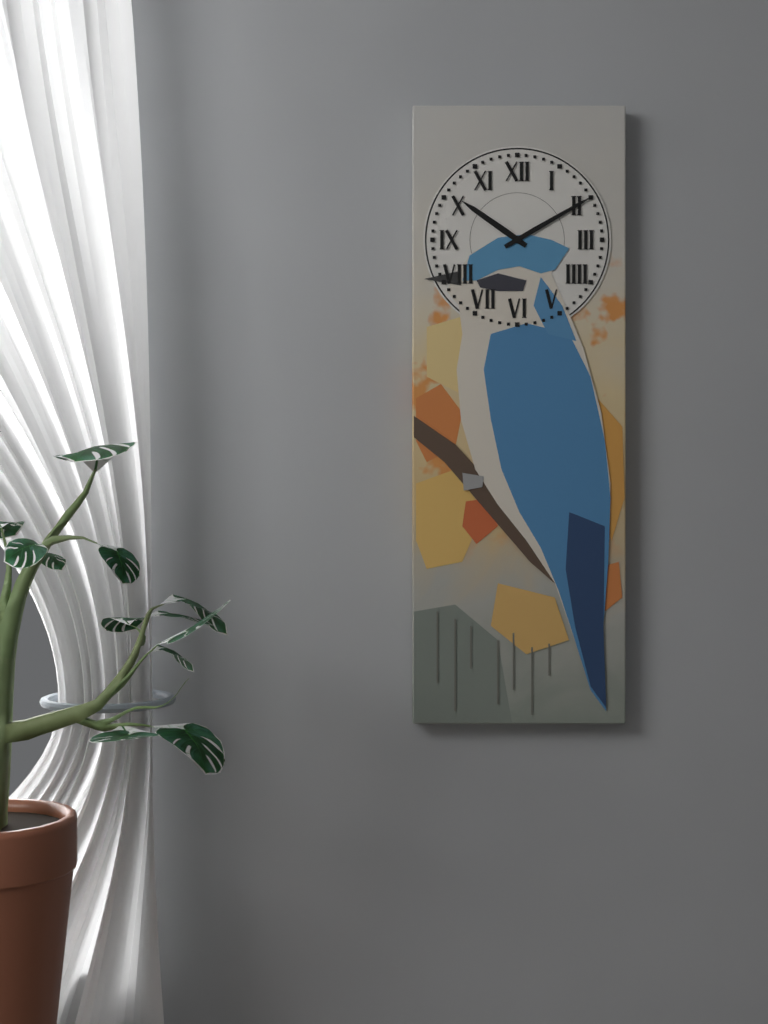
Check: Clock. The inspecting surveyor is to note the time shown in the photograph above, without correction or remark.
10:10
